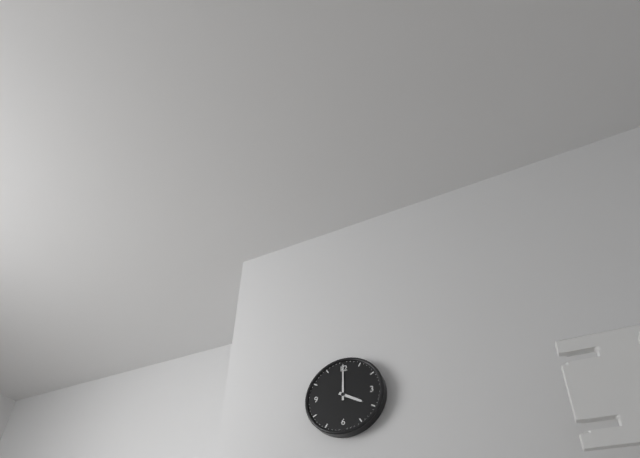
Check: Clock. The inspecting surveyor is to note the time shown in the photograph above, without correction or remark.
4:00
